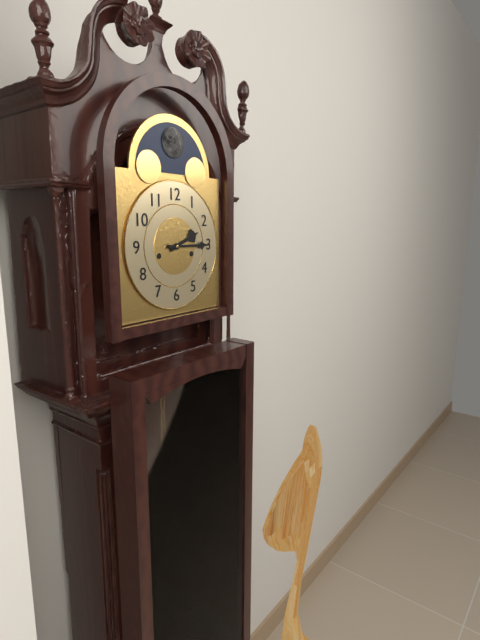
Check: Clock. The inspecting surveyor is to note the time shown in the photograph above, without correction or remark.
2:15
